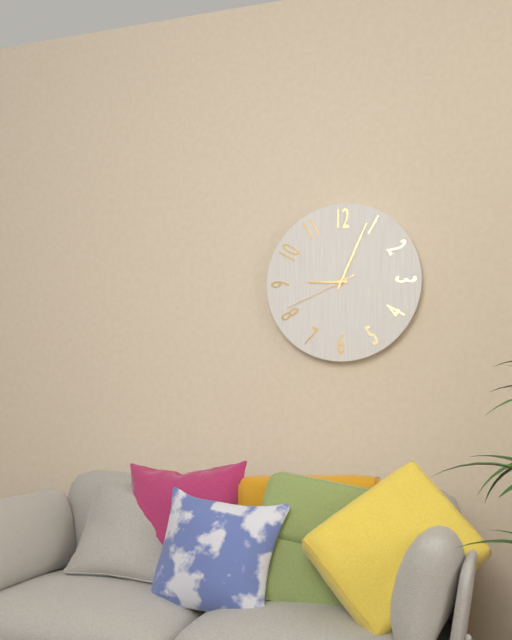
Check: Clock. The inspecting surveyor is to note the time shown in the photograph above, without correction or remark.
9:04:41
